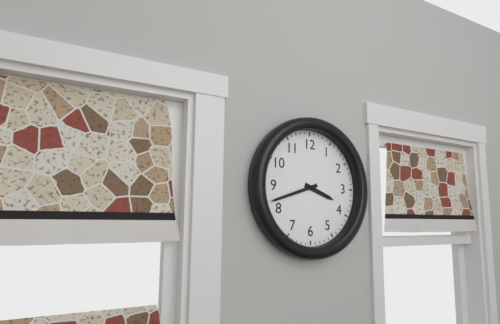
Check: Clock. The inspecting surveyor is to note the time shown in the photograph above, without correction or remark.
3:42
